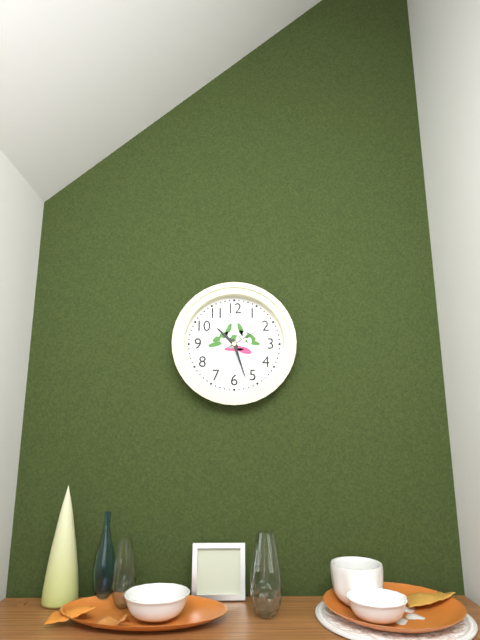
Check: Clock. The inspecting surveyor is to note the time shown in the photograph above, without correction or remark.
10:27:10
